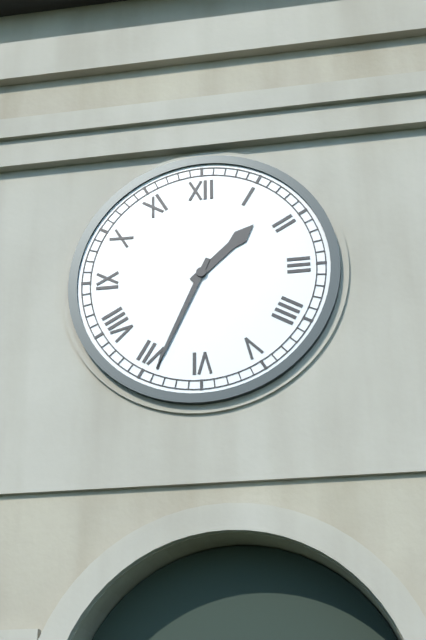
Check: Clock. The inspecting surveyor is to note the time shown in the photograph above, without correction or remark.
1:34
